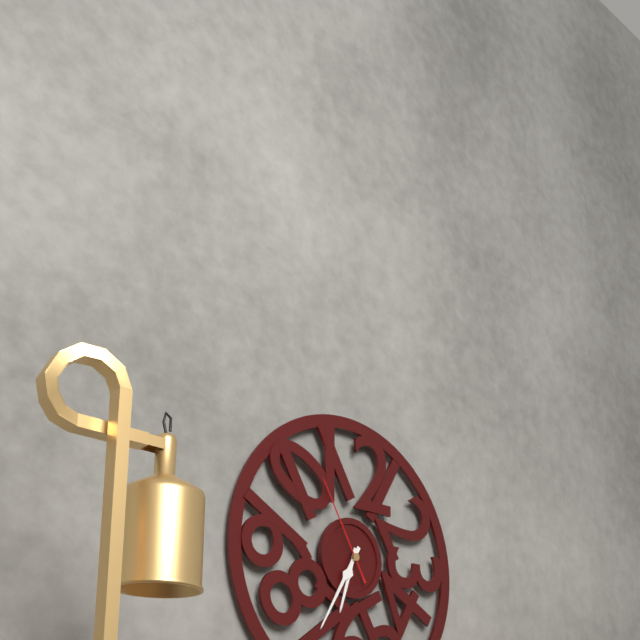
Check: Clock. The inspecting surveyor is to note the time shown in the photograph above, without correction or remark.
6:35:55
